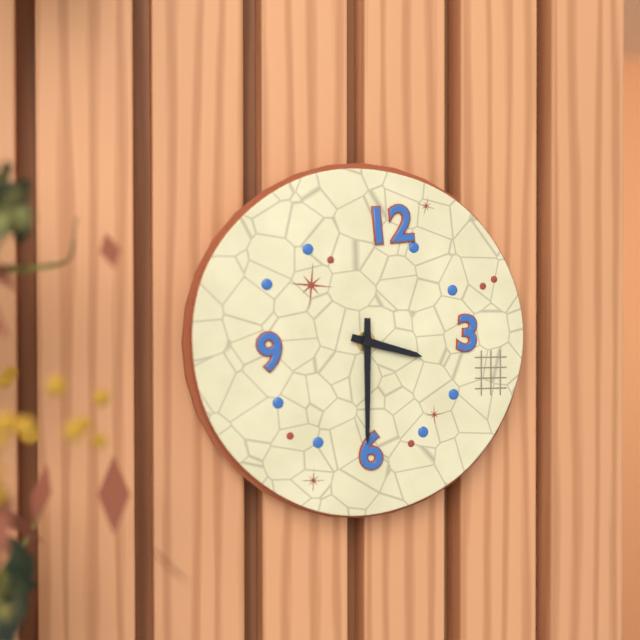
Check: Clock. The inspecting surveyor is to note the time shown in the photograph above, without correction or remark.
3:30
